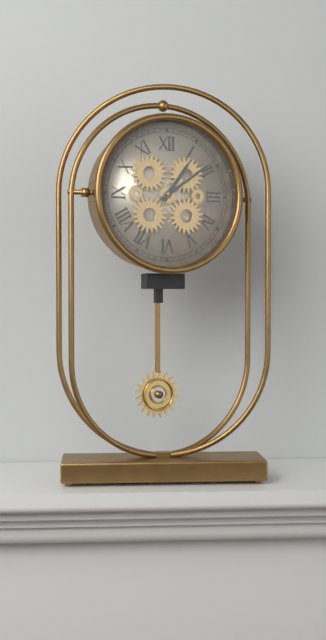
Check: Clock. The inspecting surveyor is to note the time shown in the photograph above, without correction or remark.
1:09
